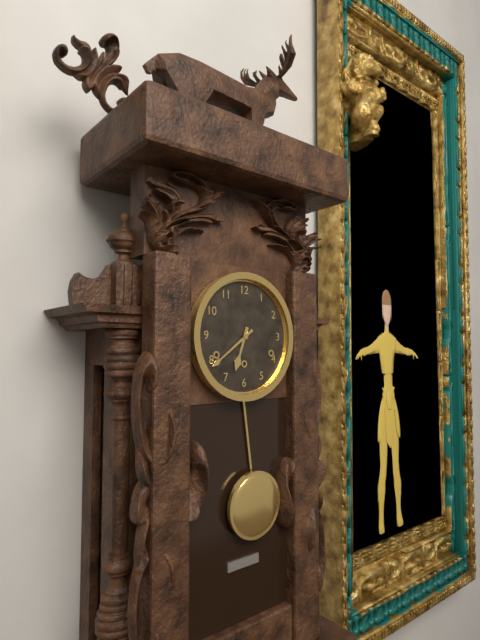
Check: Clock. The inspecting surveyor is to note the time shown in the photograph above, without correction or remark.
6:39
